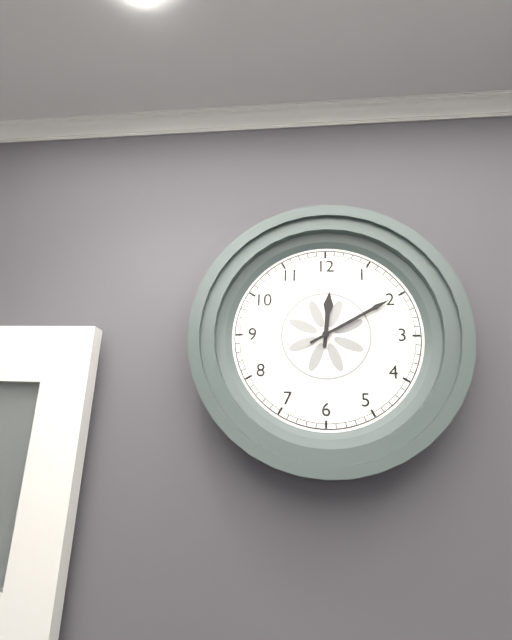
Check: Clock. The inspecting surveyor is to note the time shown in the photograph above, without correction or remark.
12:10
